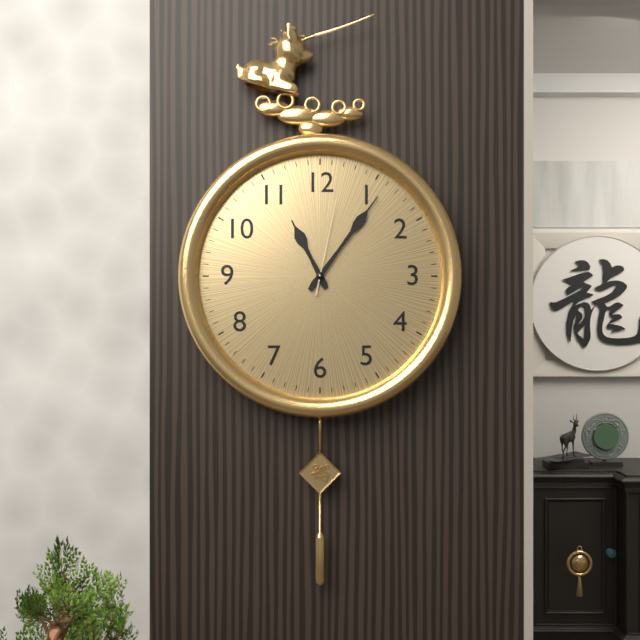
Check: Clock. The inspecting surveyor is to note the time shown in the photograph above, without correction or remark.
11:06:02
